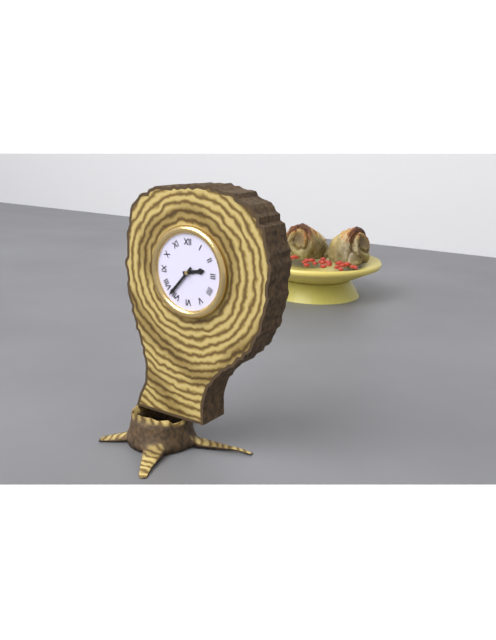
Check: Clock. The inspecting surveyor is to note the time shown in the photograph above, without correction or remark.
2:37
